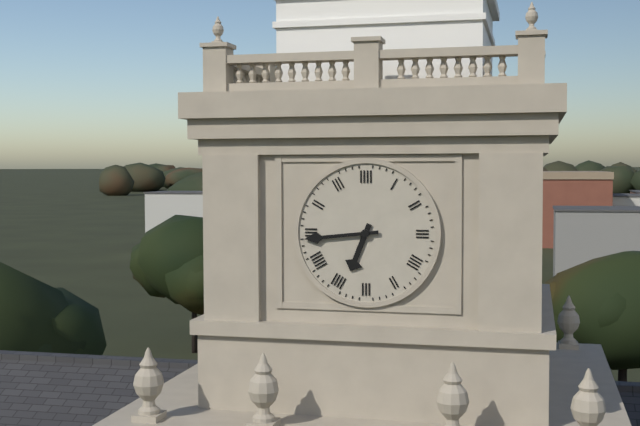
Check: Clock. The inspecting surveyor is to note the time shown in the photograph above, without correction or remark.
6:44
